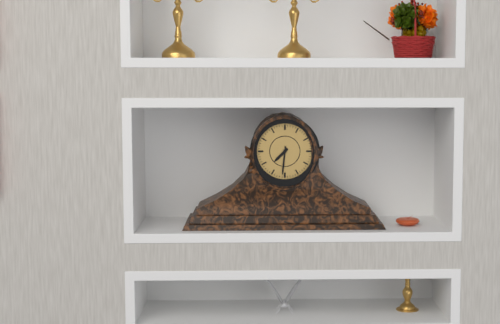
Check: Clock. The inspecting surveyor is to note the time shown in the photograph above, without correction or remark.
7:31
